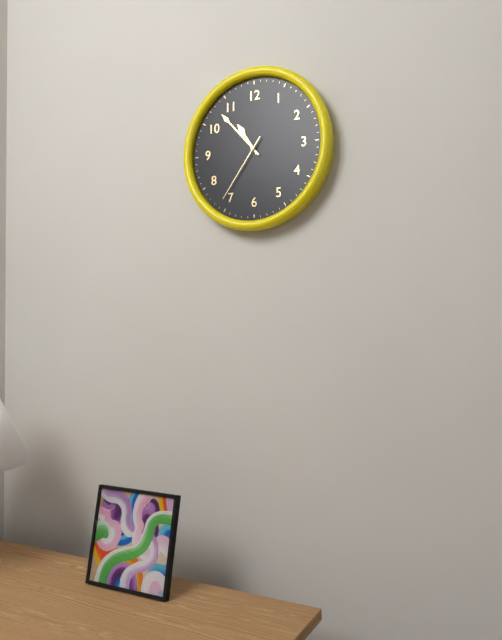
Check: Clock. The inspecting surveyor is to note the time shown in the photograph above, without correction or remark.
10:53:36
